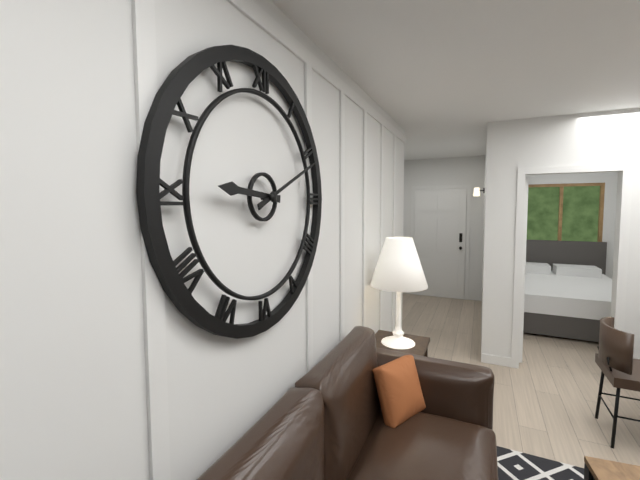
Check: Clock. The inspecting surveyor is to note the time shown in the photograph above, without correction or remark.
9:11
